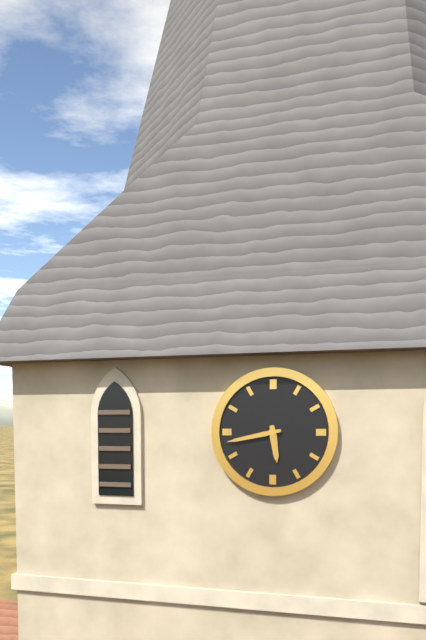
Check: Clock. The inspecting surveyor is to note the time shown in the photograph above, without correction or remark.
5:43
